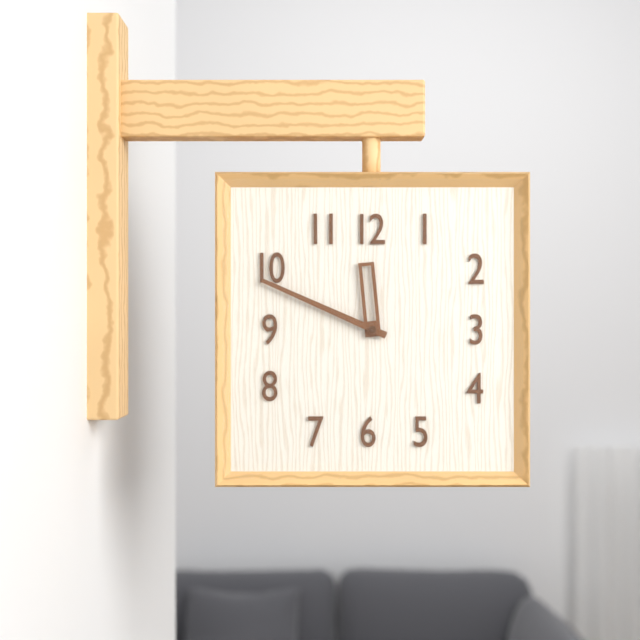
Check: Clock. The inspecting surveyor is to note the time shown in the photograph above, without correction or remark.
11:49
